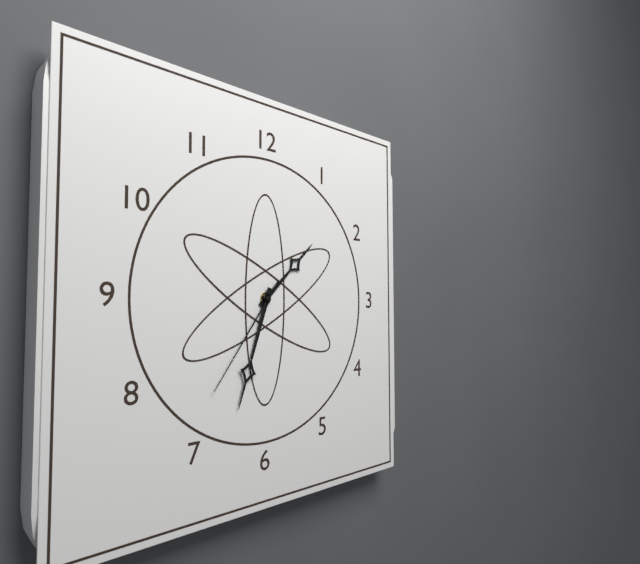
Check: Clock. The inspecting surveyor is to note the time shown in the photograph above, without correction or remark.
1:33:36
